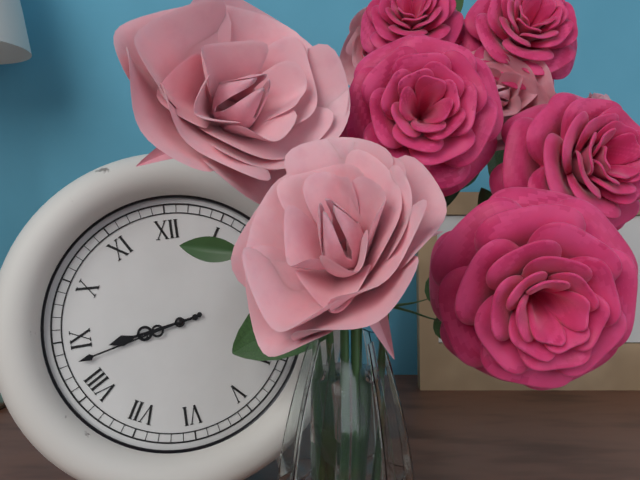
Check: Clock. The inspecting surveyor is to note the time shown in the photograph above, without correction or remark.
8:43
